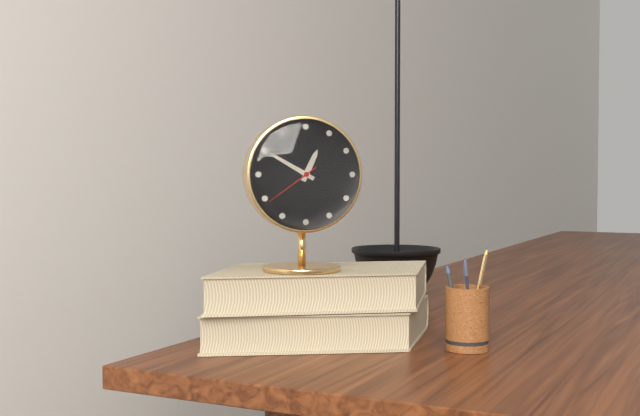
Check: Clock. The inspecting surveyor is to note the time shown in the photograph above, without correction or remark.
12:50:39
